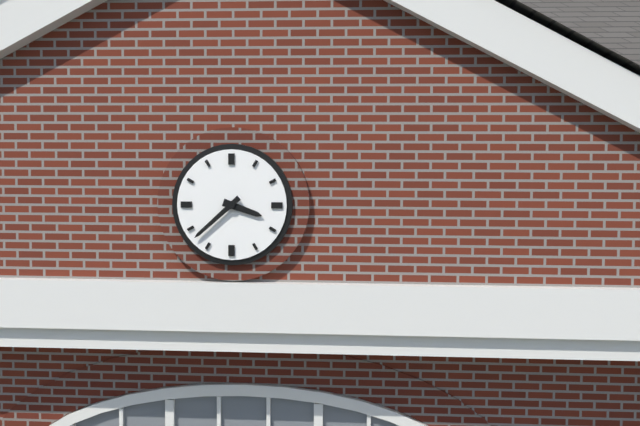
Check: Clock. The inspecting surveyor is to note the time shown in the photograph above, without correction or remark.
3:38
